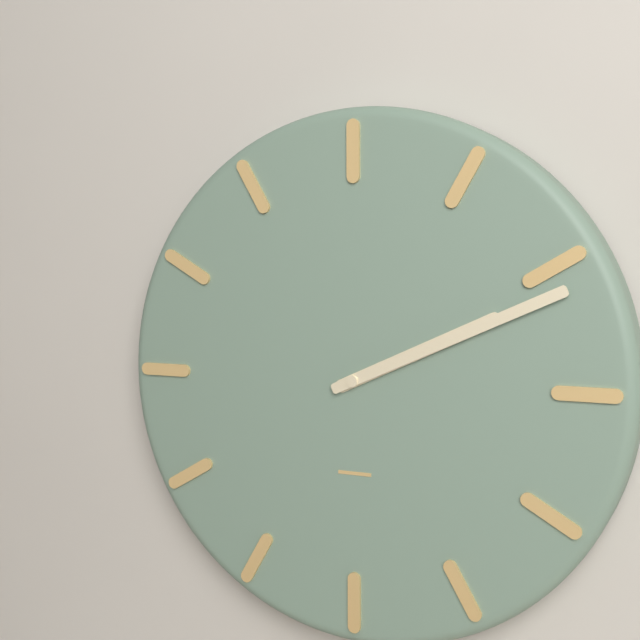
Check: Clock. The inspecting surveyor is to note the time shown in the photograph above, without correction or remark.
2:11
